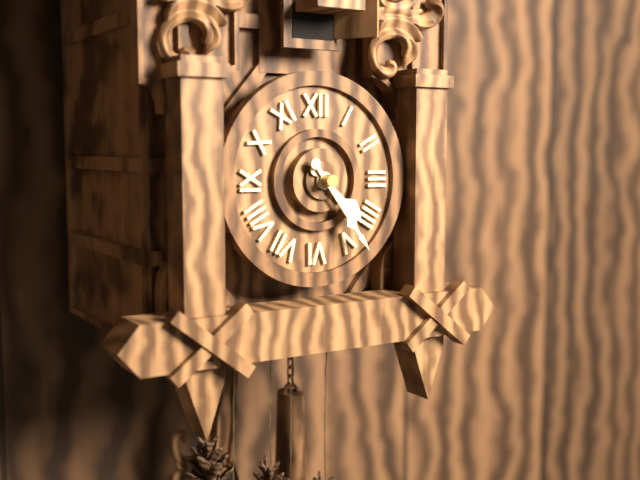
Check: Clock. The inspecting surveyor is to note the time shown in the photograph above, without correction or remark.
4:24
